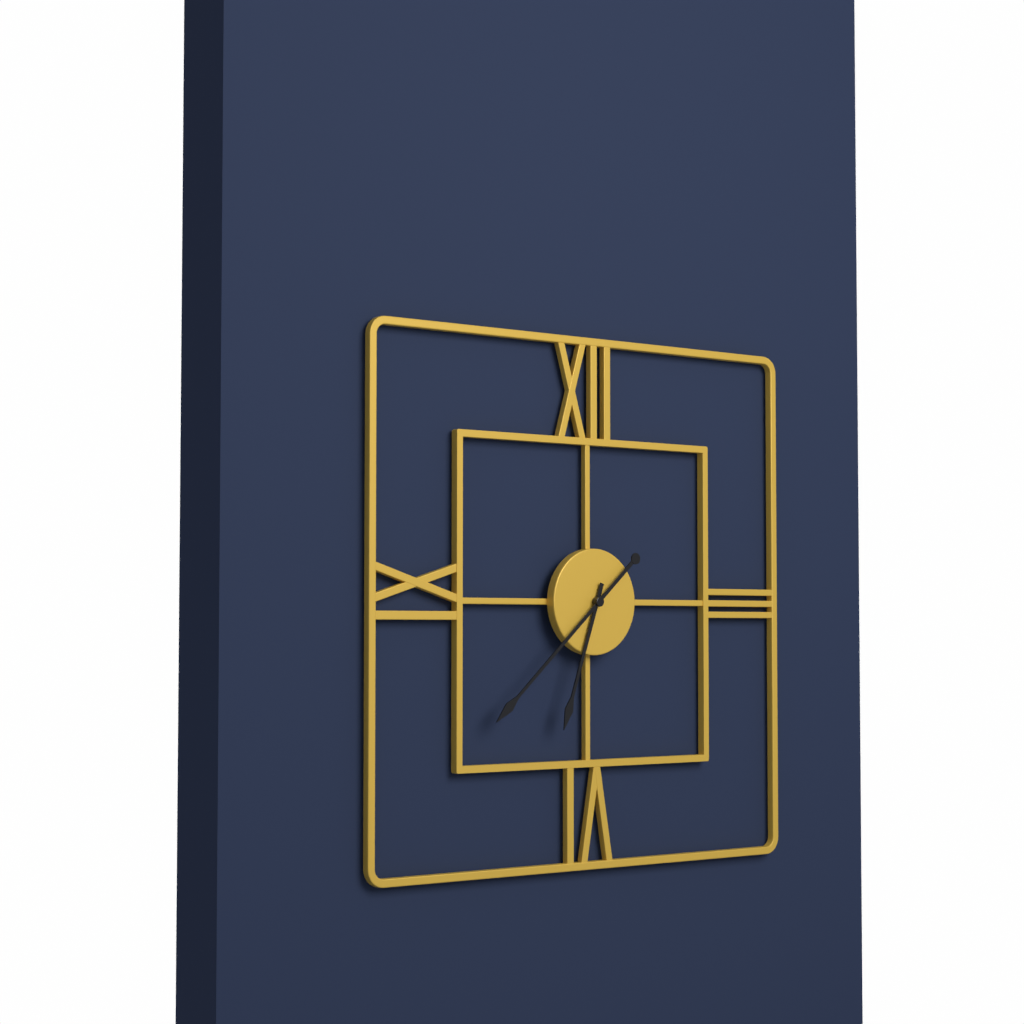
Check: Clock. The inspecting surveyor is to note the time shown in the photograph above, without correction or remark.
6:38
